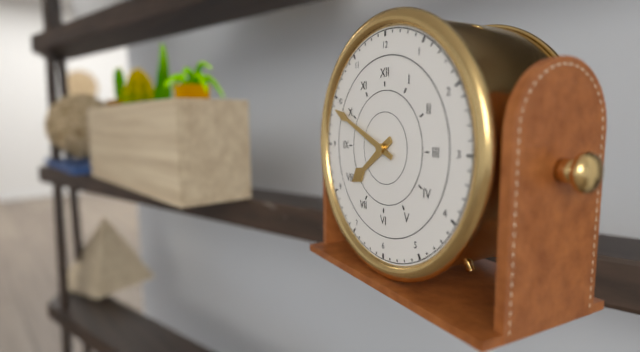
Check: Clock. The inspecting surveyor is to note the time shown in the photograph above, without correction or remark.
7:49
